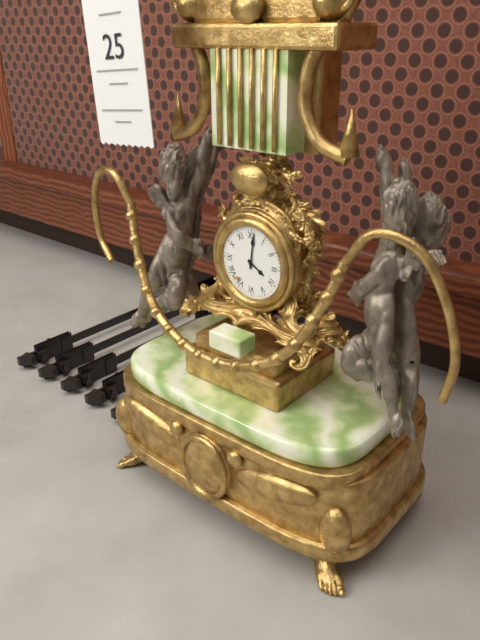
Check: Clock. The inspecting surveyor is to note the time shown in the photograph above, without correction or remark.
4:01
